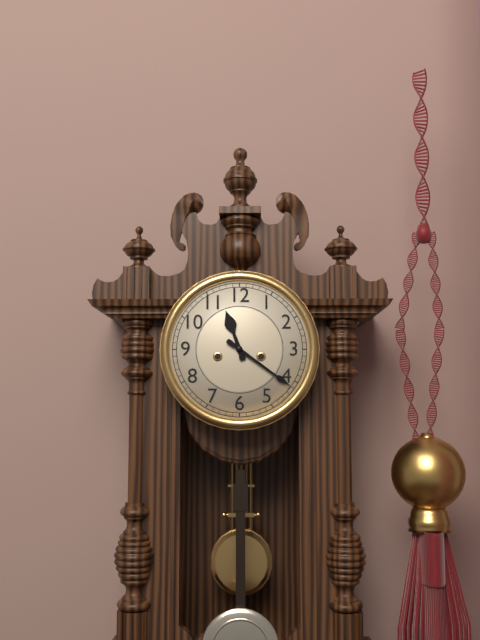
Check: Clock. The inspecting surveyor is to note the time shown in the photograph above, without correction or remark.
11:21
